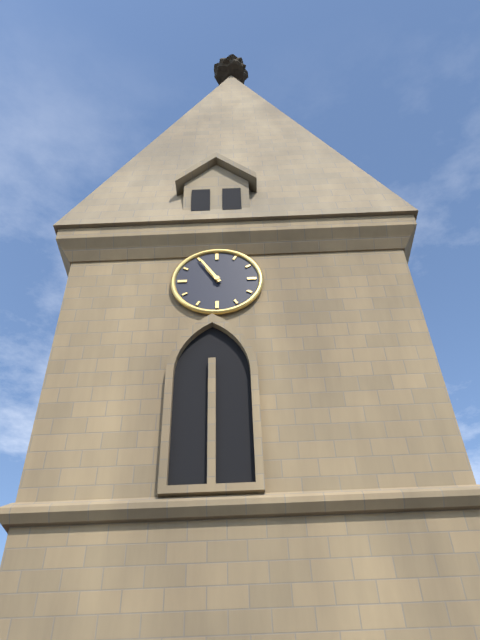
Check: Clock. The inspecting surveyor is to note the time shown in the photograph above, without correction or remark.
10:55
